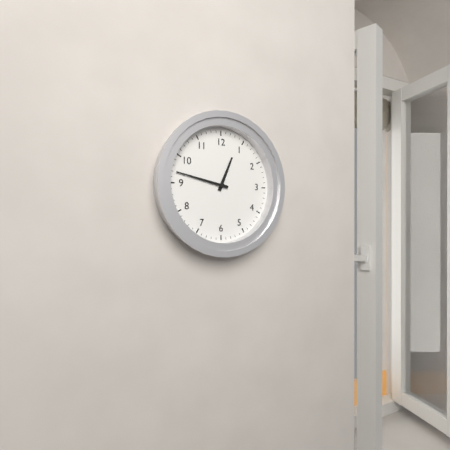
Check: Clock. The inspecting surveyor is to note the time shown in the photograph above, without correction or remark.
12:47
